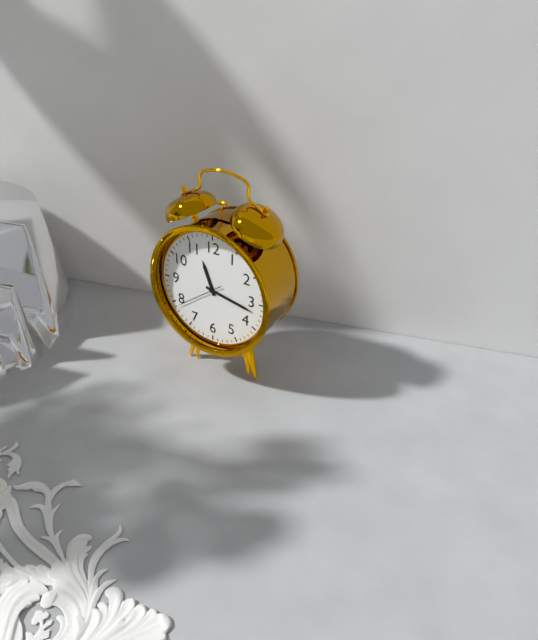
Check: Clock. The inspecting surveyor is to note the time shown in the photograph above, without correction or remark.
11:17
